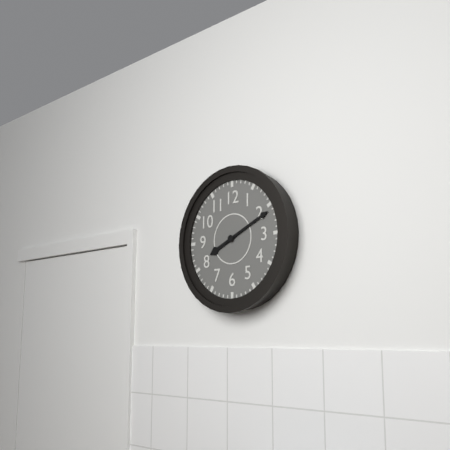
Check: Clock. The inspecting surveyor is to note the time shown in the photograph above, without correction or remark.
8:11
